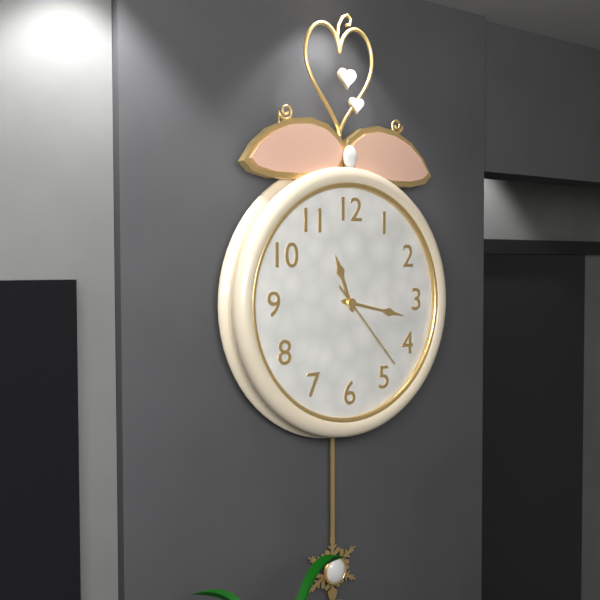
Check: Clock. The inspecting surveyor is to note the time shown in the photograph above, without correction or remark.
11:17:23
